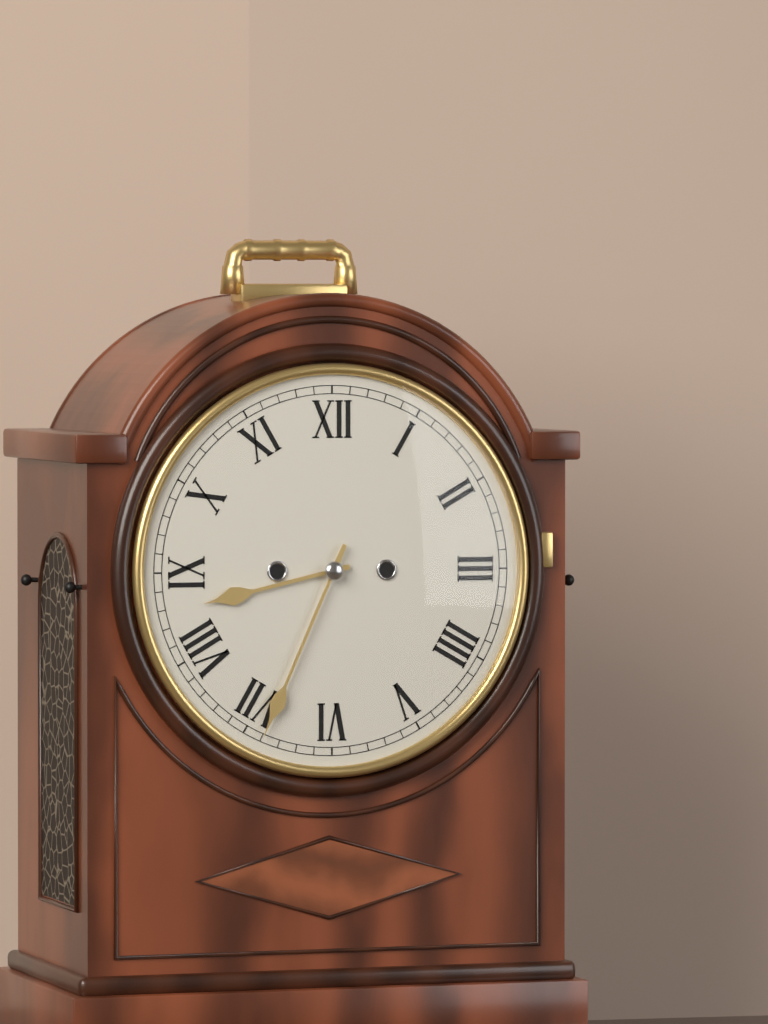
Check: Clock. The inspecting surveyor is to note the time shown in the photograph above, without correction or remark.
8:34
